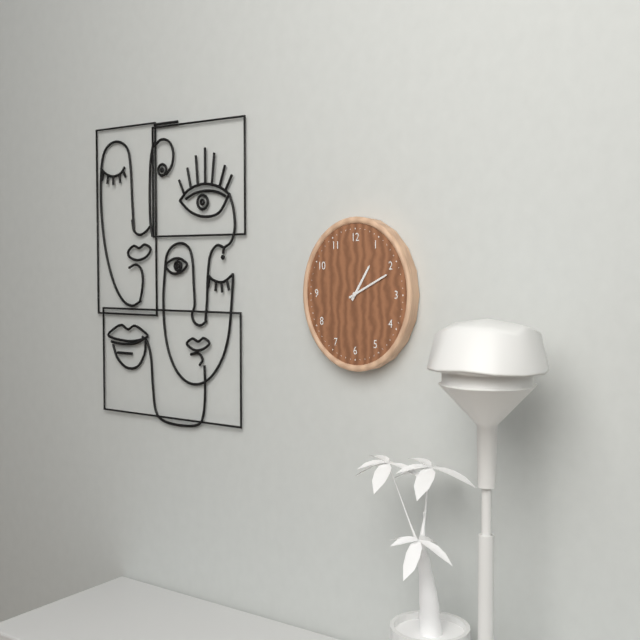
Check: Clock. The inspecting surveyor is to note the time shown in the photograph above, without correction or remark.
1:11
